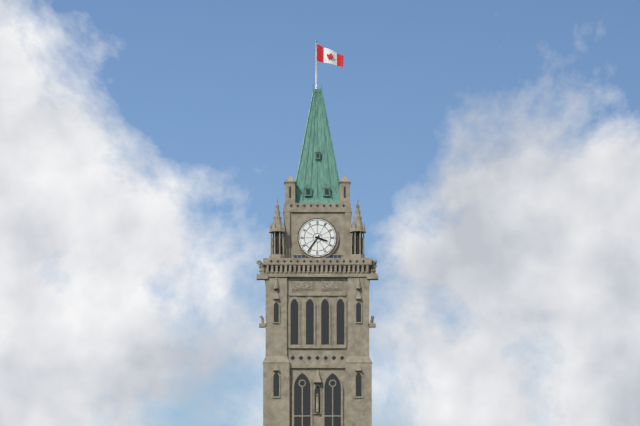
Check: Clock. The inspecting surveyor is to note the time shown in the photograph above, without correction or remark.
3:36
